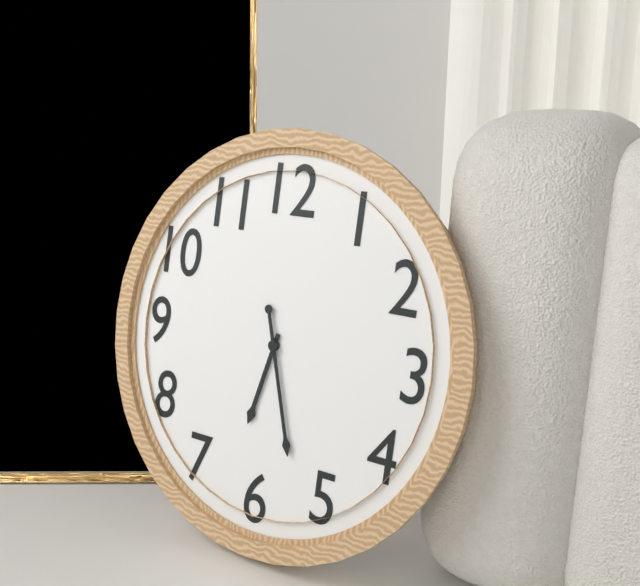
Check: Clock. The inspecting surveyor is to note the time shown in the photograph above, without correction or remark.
6:27
